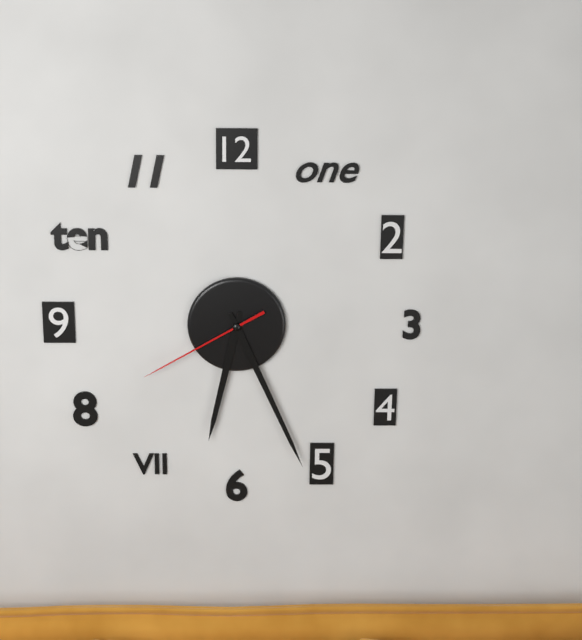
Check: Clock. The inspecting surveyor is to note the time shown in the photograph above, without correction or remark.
6:26:40
